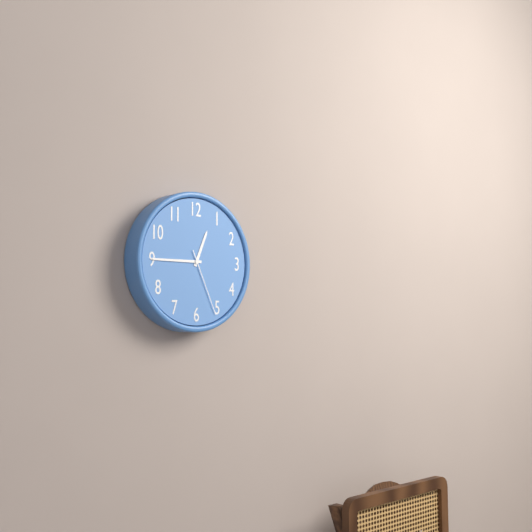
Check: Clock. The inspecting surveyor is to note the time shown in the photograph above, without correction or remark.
12:45:26
